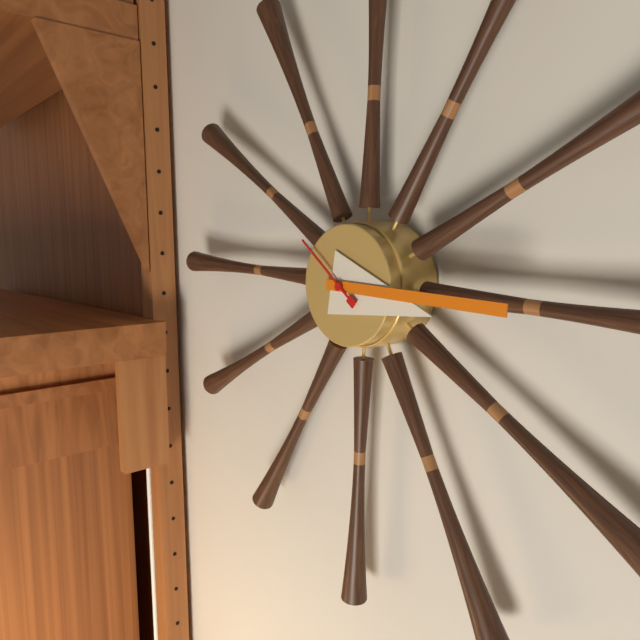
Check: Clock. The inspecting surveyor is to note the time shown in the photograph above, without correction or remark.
3:15:51
